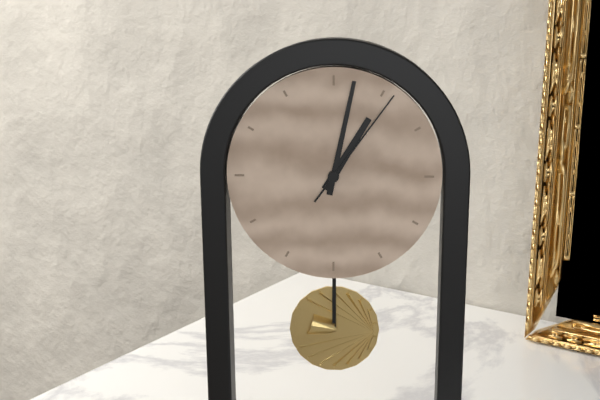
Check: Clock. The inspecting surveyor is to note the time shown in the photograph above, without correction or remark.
1:02:06
